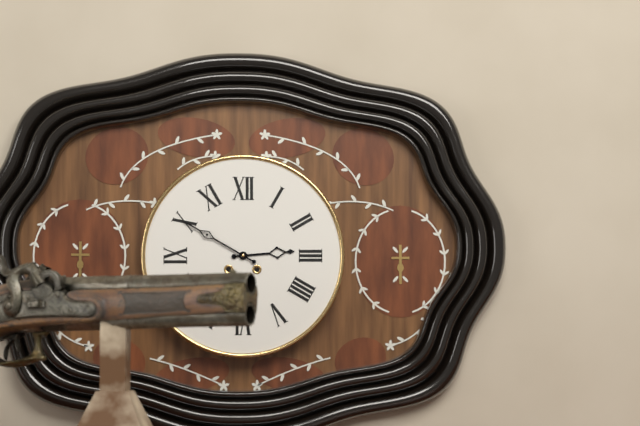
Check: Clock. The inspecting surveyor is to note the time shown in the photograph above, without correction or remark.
2:50
